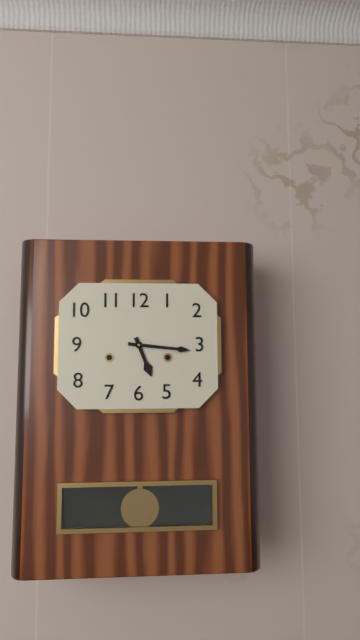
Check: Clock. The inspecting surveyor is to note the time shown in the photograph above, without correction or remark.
5:16
